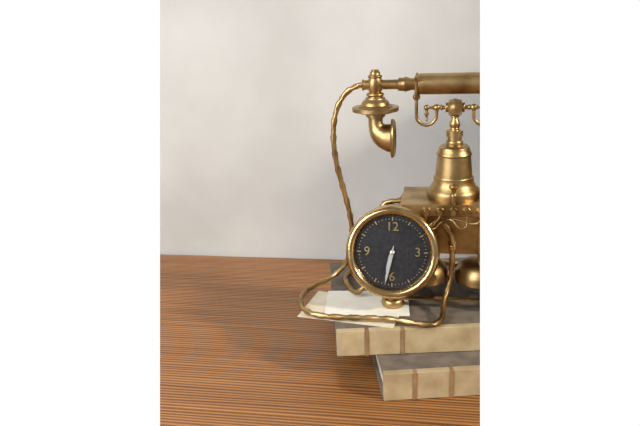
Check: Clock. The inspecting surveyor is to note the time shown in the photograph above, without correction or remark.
6:32
